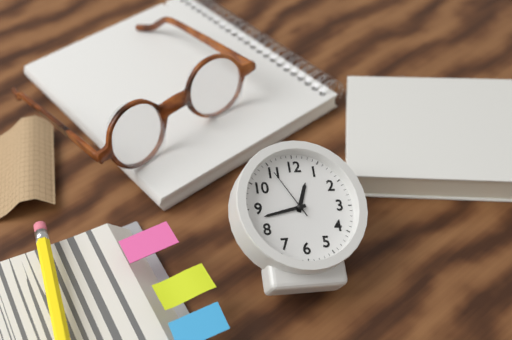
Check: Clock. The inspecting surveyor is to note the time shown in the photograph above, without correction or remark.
12:43:55
